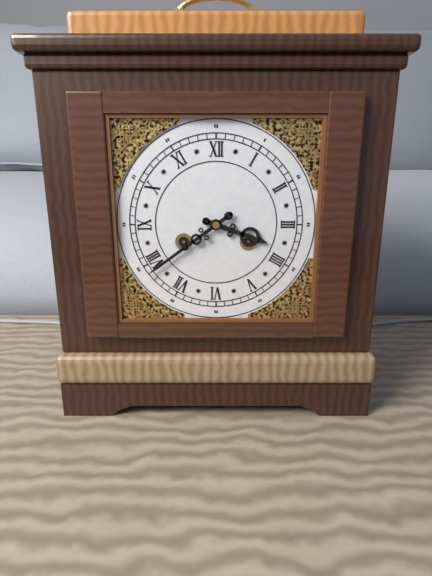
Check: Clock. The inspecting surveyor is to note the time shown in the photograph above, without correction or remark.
3:39
